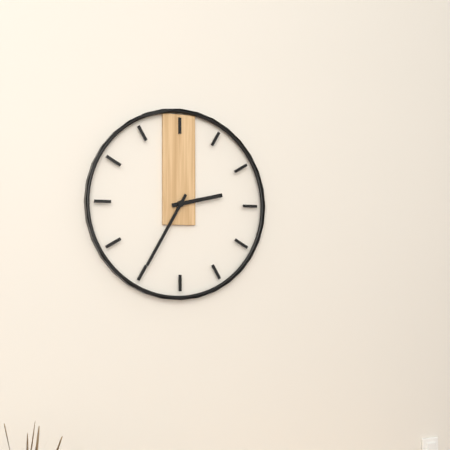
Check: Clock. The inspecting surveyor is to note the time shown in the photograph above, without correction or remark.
2:35
